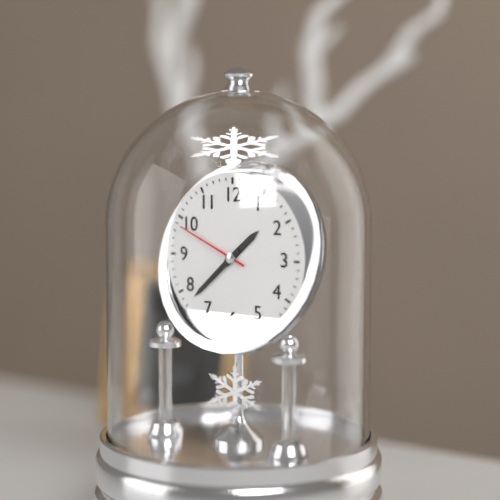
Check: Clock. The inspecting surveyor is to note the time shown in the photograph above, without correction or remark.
1:38:49
